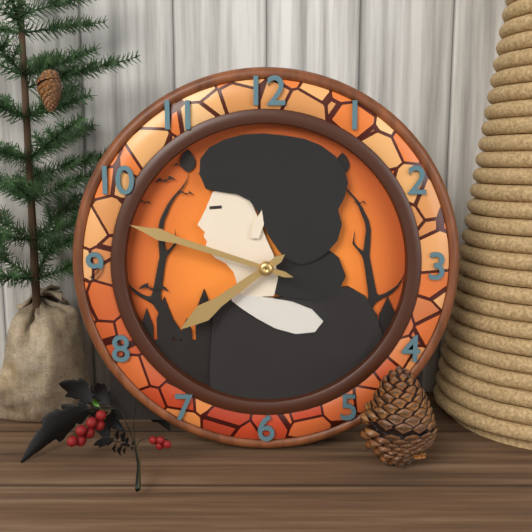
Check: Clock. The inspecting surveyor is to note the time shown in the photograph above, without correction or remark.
7:48
